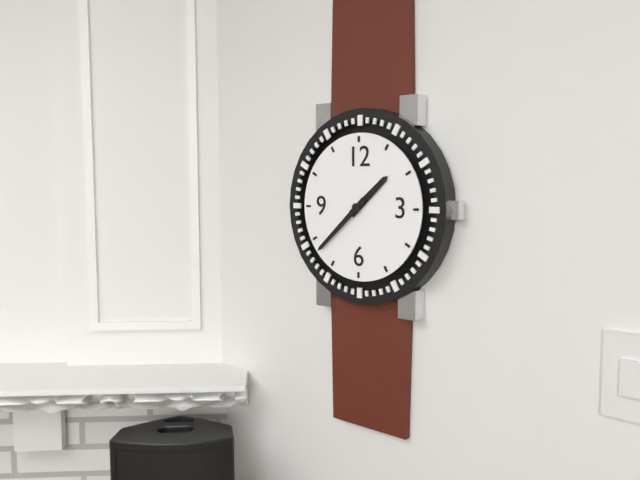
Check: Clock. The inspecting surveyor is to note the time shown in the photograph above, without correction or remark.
1:38
